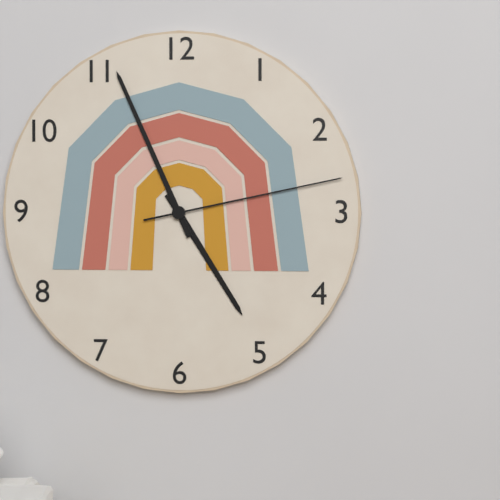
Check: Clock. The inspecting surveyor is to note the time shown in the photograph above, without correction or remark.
4:56:13
